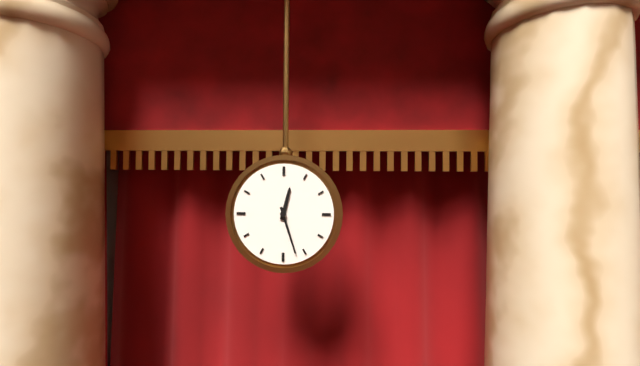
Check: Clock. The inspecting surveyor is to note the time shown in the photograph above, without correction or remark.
12:27
